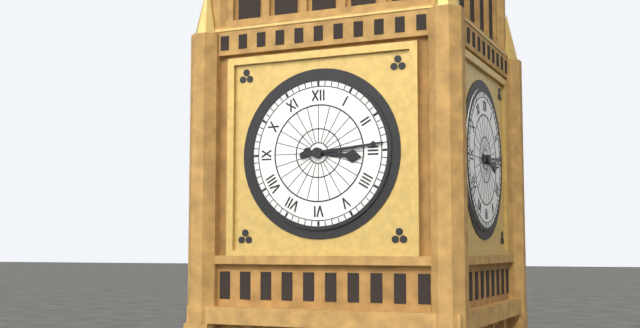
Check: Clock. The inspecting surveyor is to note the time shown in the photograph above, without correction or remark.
3:14
